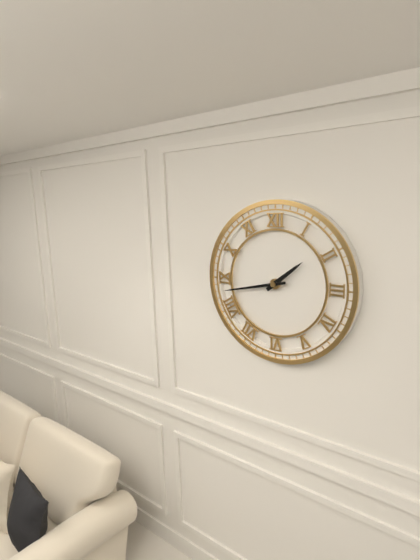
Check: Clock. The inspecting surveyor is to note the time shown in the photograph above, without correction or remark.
1:43
